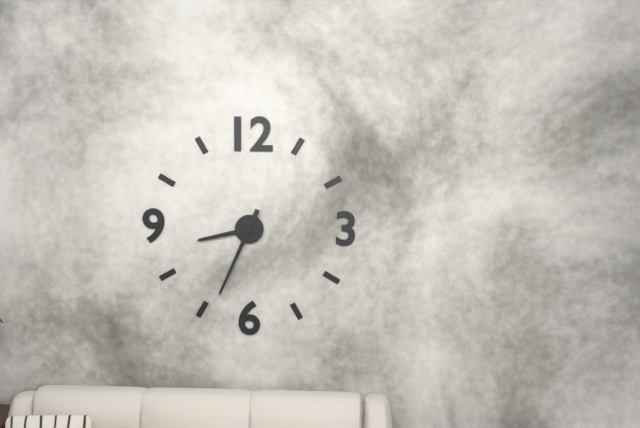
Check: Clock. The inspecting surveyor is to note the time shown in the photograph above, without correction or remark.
8:34
